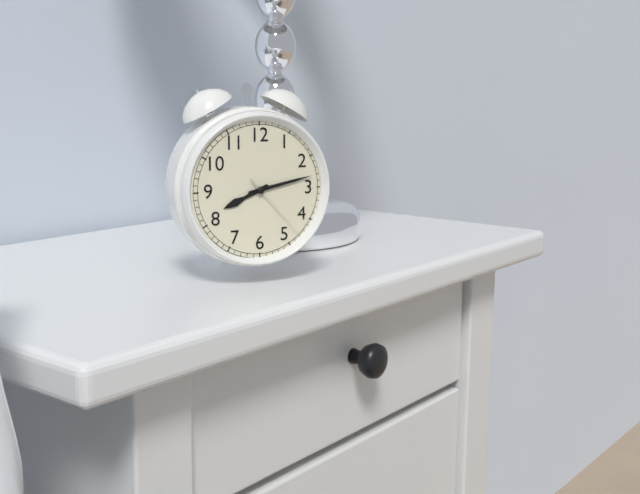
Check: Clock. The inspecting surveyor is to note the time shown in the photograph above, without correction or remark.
8:13:23
